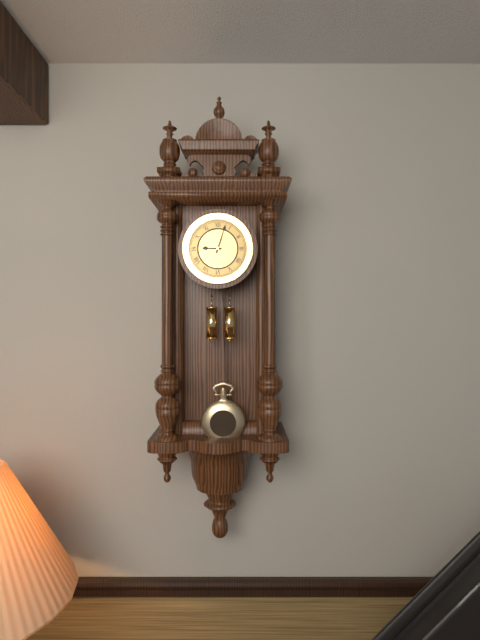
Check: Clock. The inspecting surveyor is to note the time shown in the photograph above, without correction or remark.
9:03
